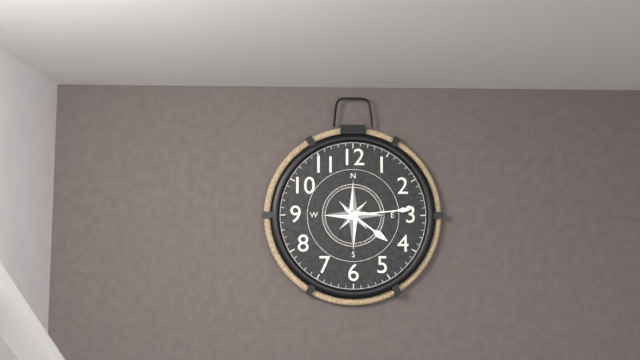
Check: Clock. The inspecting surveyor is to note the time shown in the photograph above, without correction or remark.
4:14
